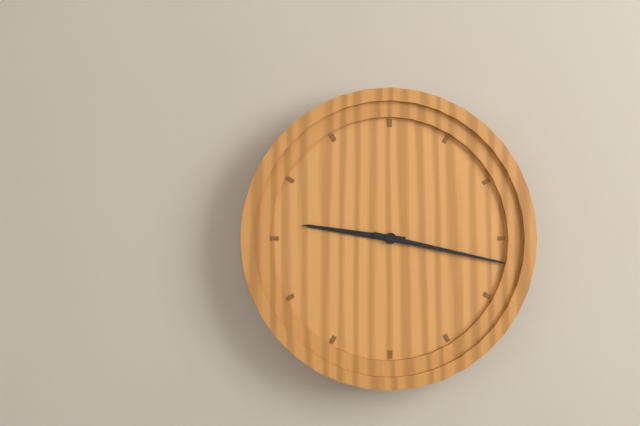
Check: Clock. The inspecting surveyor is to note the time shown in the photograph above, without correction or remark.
9:17
